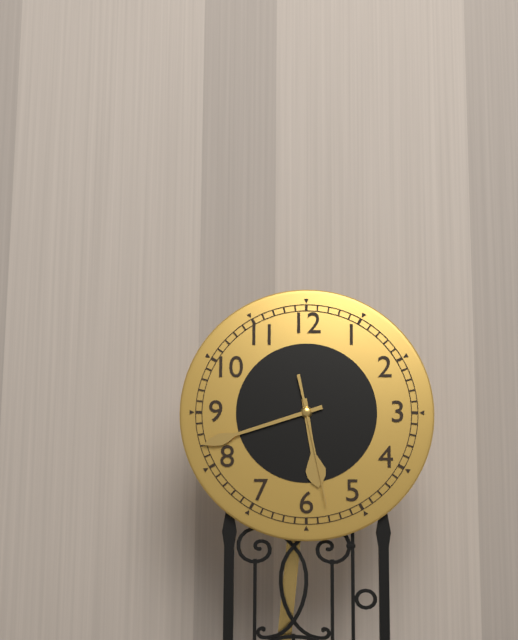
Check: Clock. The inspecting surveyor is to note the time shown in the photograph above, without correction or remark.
5:42:28
